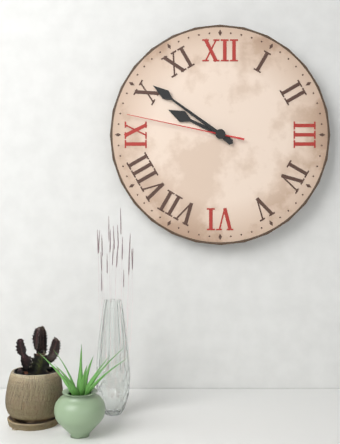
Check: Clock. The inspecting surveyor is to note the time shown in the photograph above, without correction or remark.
9:51:47
